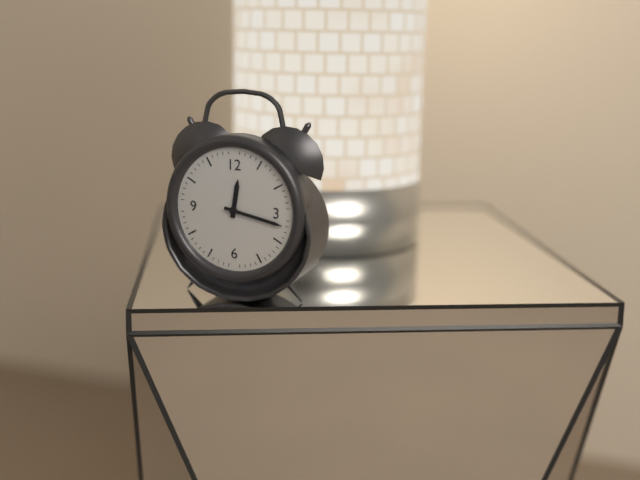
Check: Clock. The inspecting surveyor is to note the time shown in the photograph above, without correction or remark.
12:17
